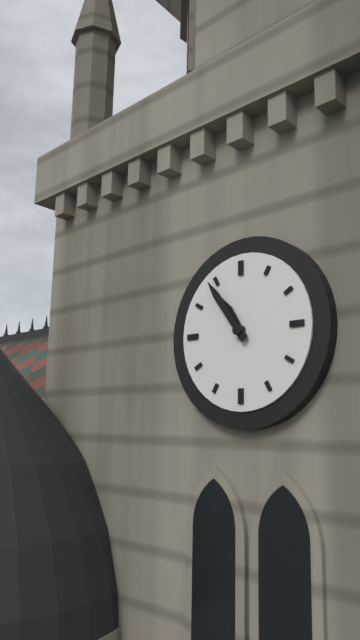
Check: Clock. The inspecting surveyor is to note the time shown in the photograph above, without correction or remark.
10:54
